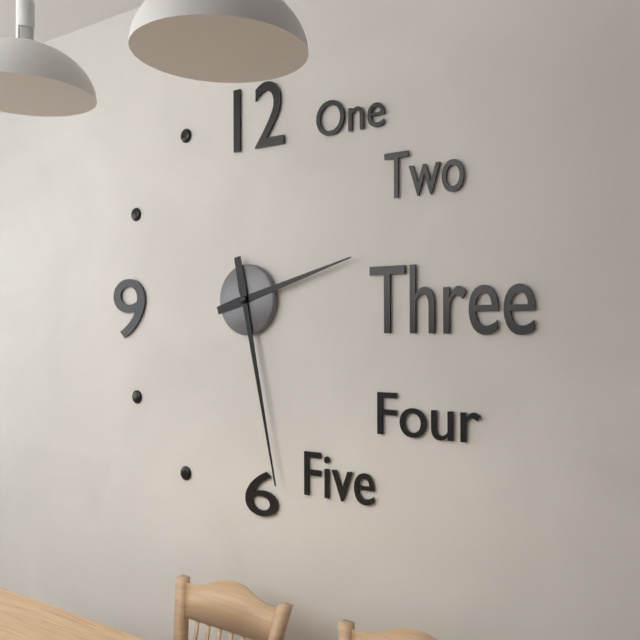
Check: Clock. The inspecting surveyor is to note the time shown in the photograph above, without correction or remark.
2:28
